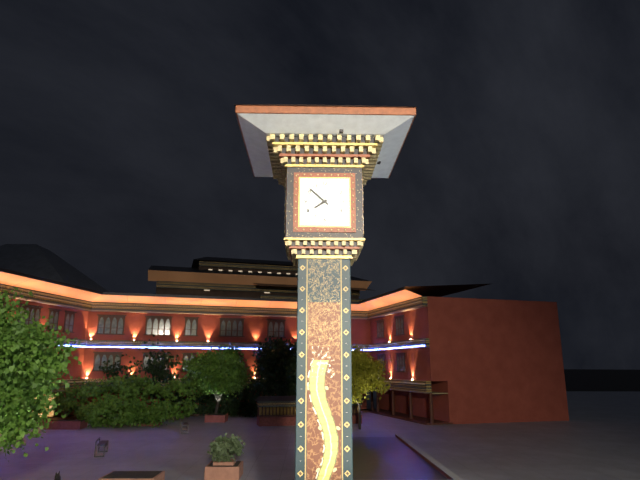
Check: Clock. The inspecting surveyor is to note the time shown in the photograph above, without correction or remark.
7:52
